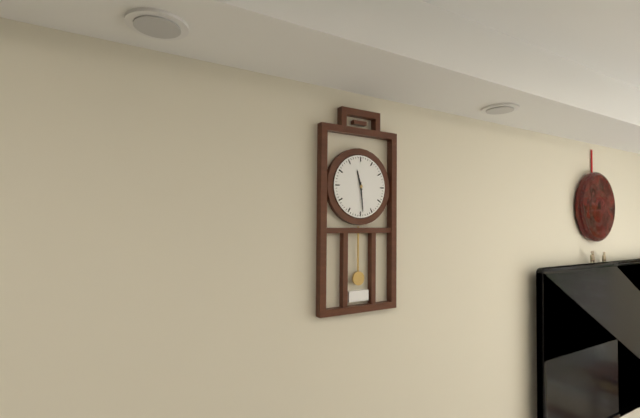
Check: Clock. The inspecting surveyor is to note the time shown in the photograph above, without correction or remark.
11:29
